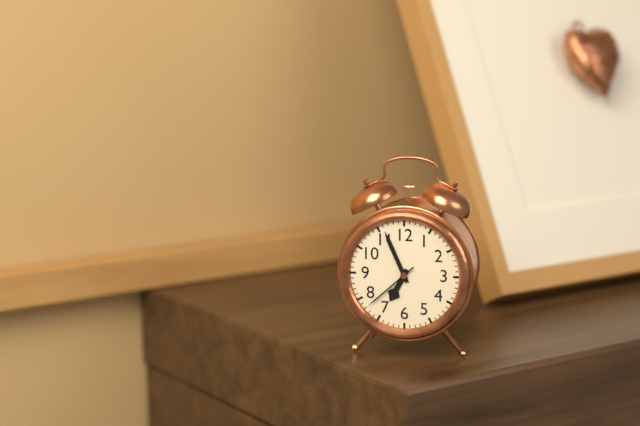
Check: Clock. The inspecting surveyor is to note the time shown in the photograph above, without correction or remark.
6:56:38
